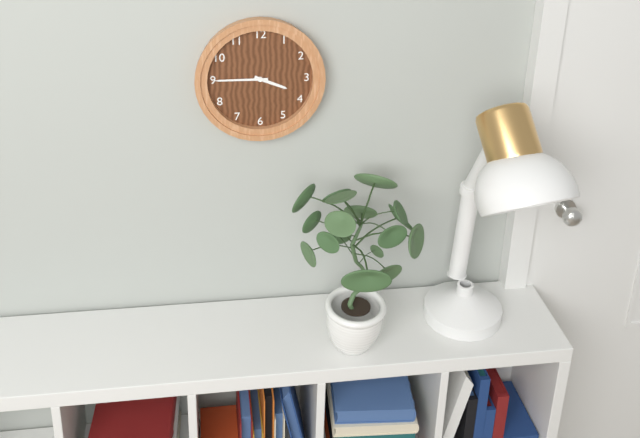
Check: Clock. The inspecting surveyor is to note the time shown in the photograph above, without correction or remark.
3:45
